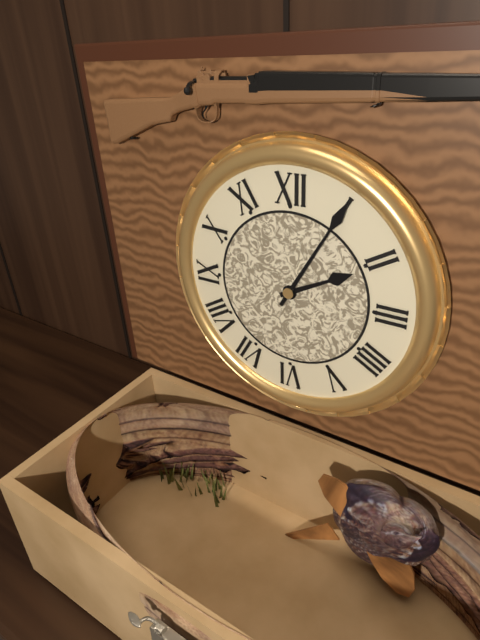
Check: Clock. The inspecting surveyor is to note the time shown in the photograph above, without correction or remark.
2:05
